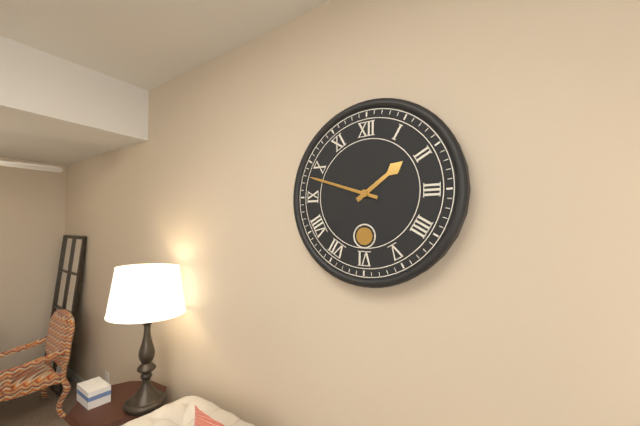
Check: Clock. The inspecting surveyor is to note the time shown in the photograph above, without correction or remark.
1:48
